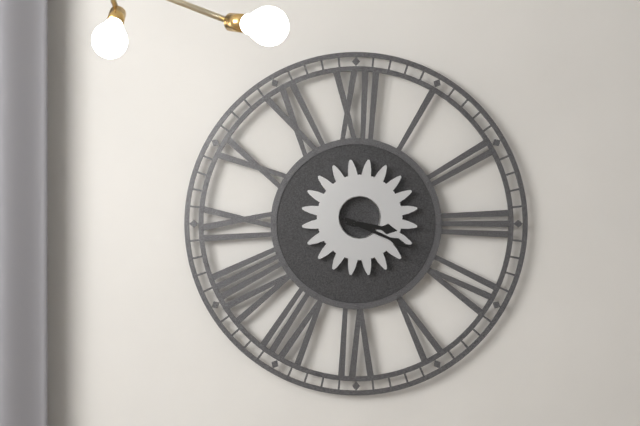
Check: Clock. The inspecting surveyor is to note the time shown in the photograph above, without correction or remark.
3:19
